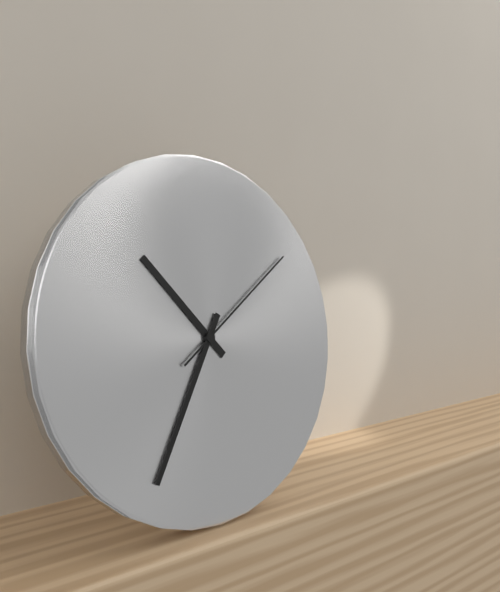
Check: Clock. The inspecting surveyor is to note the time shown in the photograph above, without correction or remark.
10:35:09
